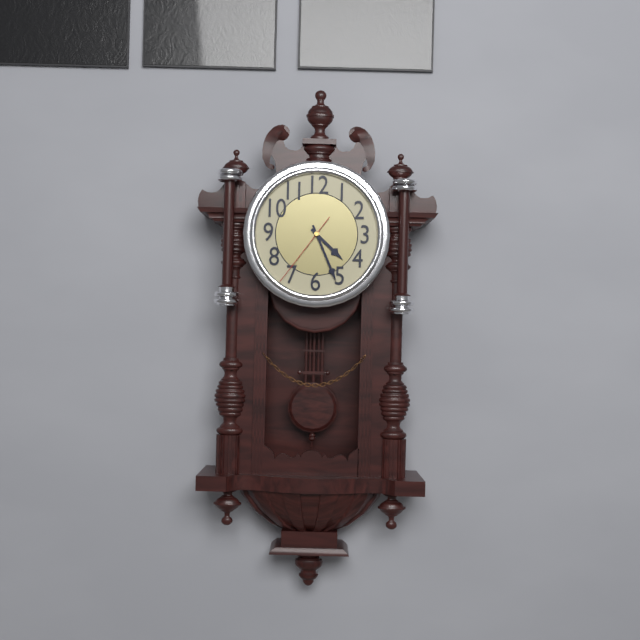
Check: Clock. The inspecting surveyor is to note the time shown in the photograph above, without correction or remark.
4:26:36
